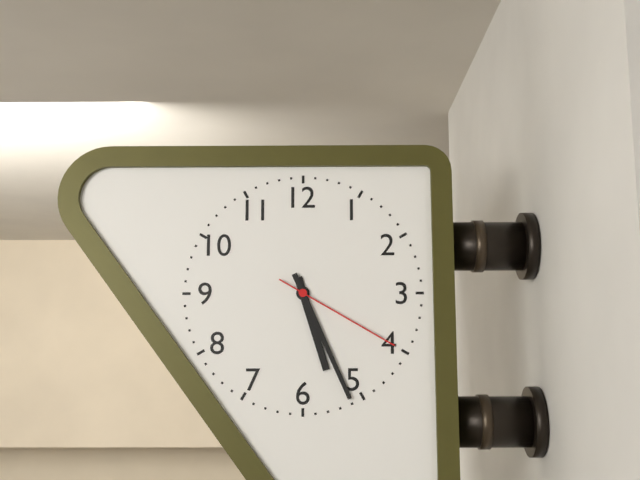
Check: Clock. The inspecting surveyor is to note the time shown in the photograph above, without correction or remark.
5:26:20
